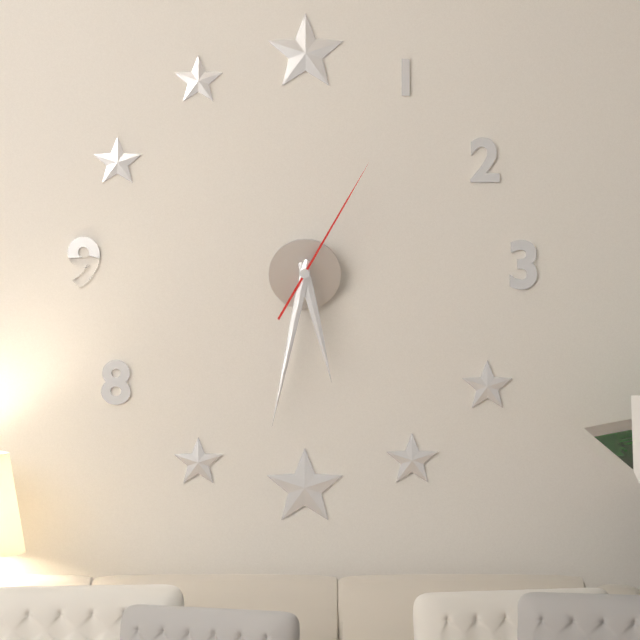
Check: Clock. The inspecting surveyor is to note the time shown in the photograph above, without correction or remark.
5:32:05
